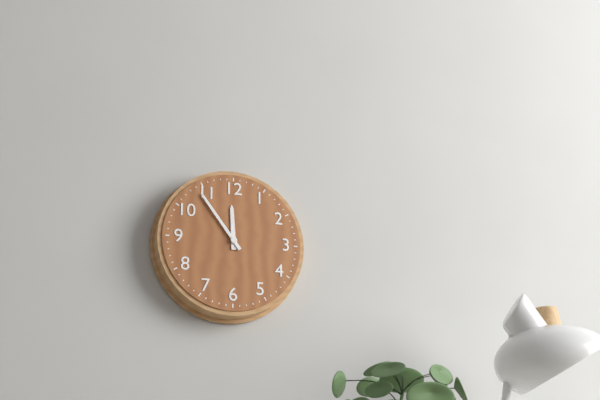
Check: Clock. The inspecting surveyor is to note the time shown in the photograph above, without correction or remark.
11:54
